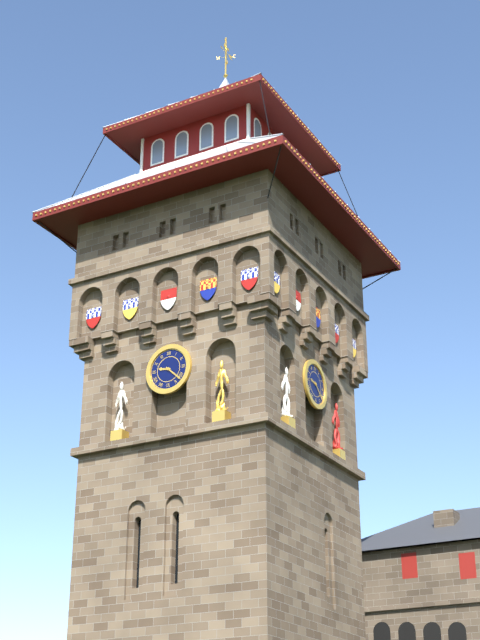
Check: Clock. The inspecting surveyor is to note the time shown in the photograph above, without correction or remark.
9:22
